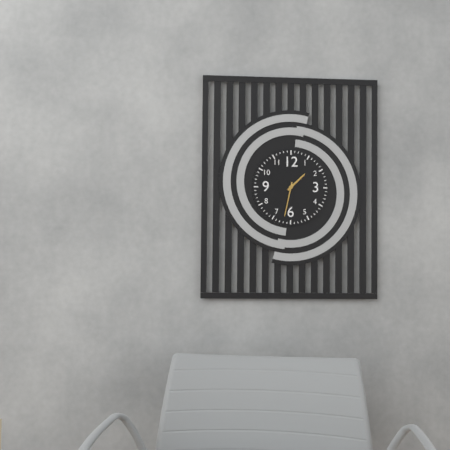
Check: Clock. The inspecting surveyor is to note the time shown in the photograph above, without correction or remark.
1:32
